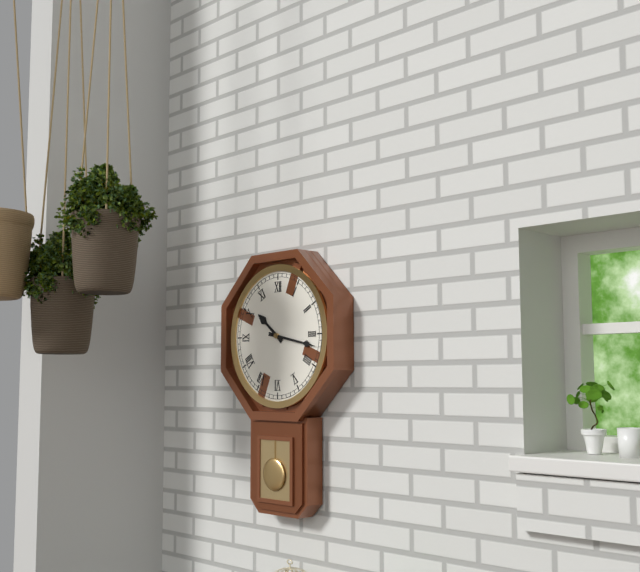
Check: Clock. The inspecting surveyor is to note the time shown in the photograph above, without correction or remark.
10:17
